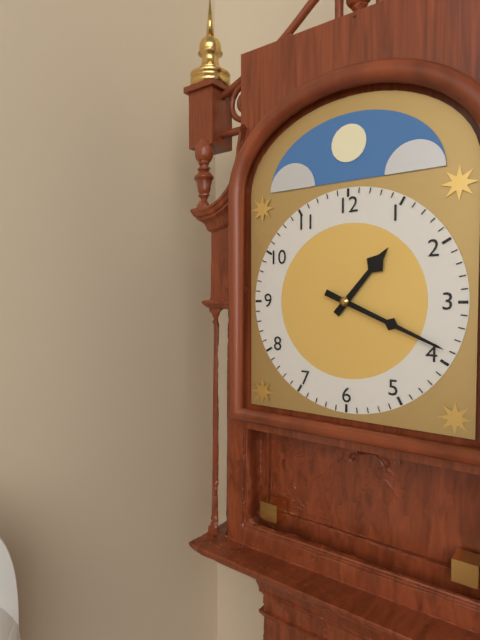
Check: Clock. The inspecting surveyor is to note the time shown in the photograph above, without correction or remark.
1:19
